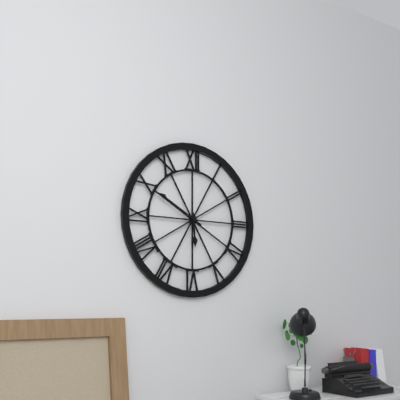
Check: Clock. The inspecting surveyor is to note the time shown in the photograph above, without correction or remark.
5:50
